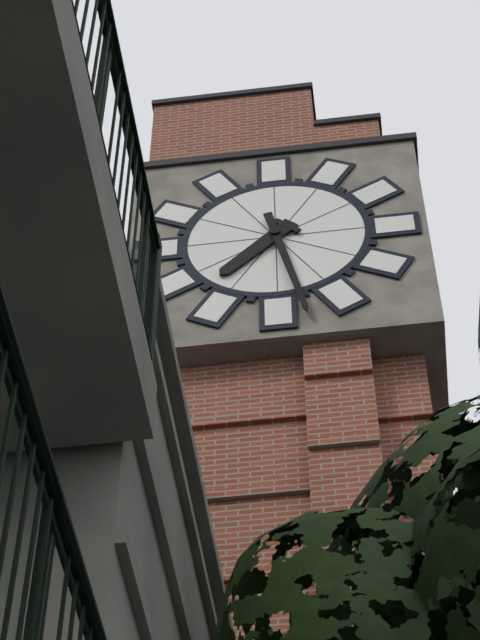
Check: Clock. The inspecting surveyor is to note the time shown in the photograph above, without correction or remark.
7:28
